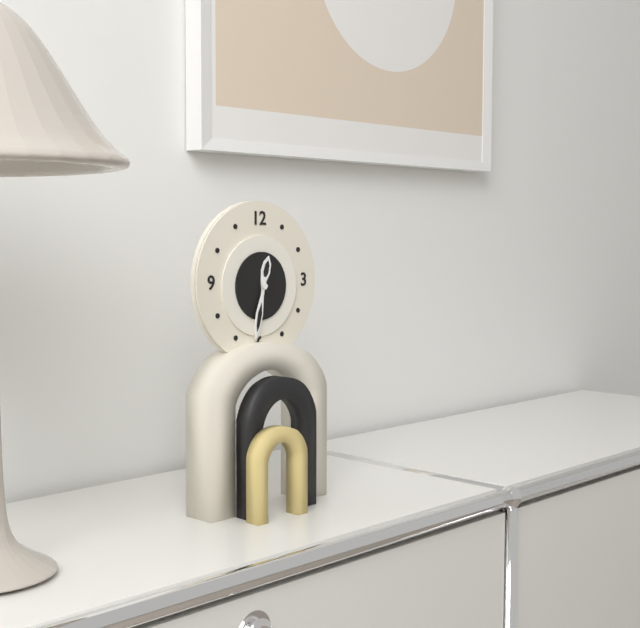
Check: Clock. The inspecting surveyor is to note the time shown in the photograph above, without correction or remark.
12:32
